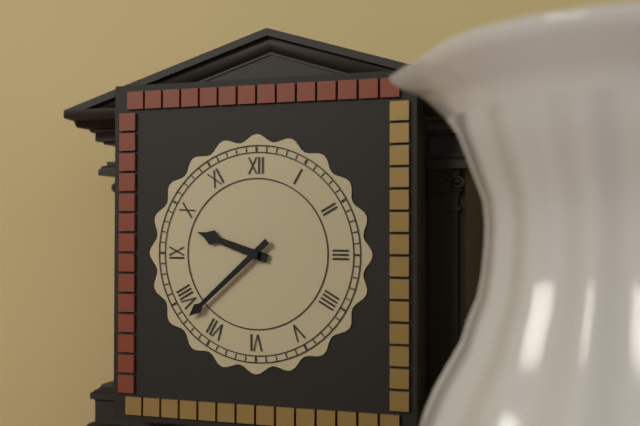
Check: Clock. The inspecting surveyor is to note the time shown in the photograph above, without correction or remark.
9:38
